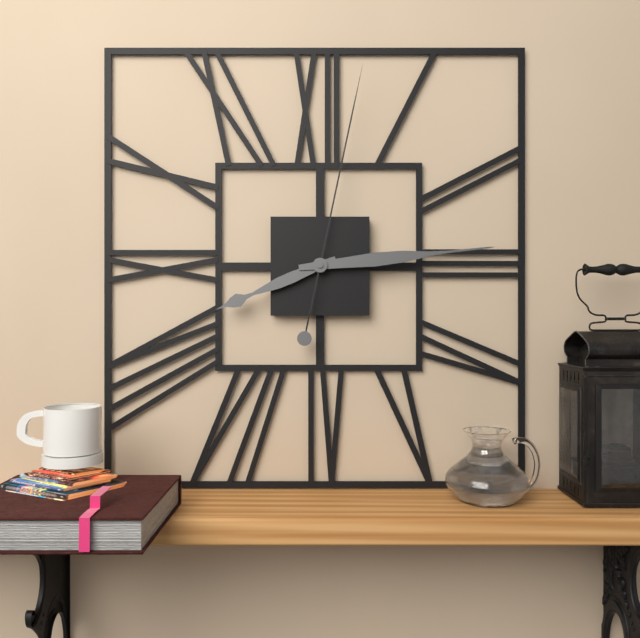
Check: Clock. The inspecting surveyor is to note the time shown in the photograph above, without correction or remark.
8:14:02
